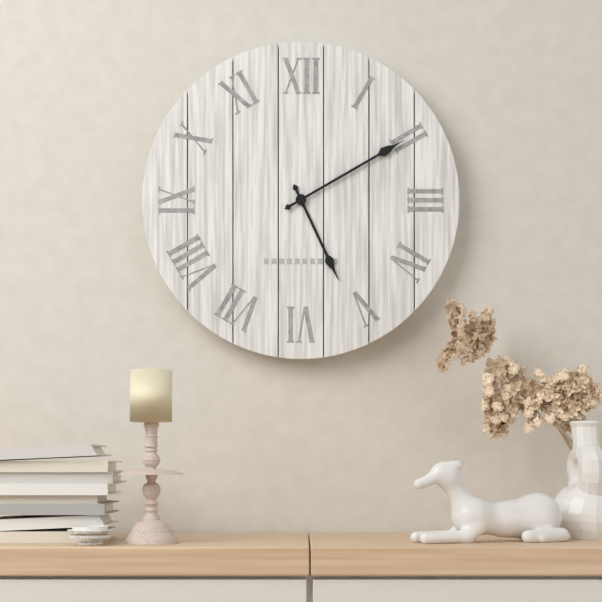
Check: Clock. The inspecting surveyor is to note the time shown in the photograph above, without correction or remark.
5:10
